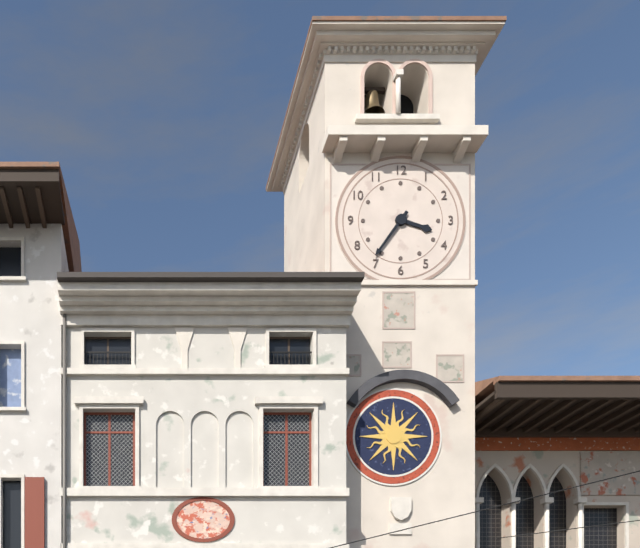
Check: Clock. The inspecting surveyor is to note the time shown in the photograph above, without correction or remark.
3:36
